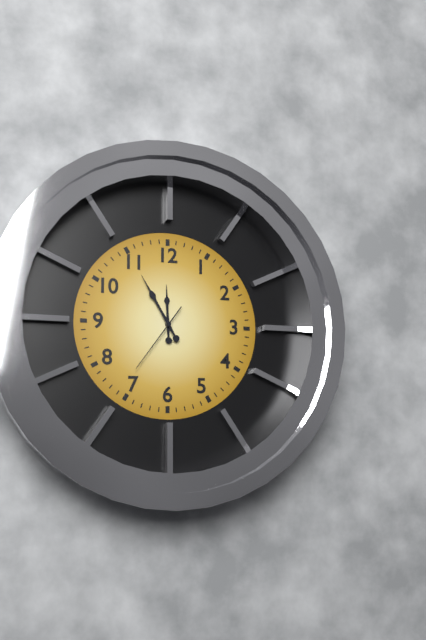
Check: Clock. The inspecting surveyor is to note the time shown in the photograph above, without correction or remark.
11:55:36
